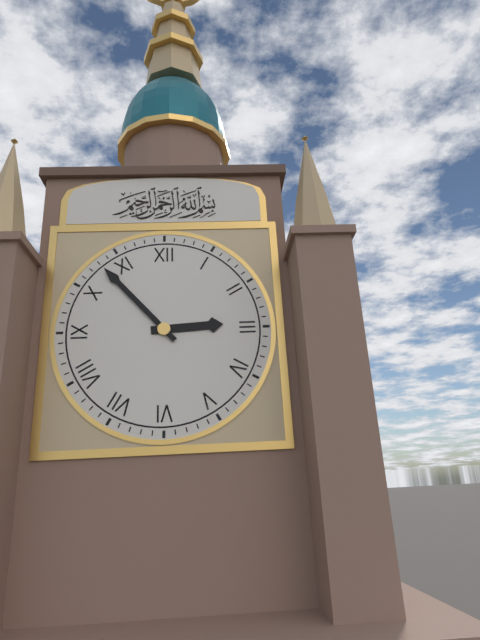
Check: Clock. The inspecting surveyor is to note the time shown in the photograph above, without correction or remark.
2:53
